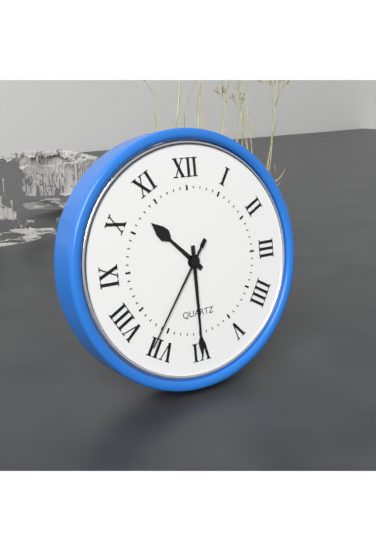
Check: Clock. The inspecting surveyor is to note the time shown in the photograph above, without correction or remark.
10:30:36
